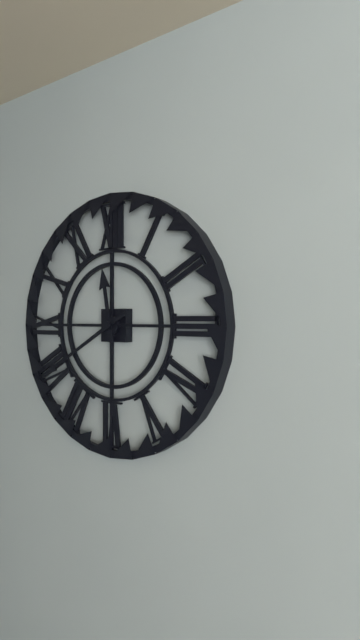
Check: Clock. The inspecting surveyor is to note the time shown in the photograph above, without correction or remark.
11:40
